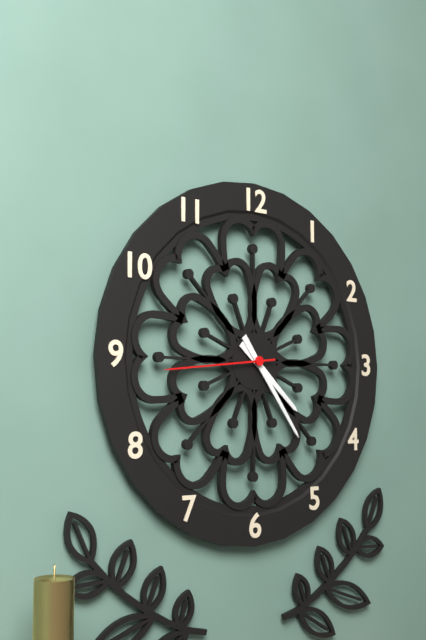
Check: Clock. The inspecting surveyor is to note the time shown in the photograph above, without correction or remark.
4:24:44
